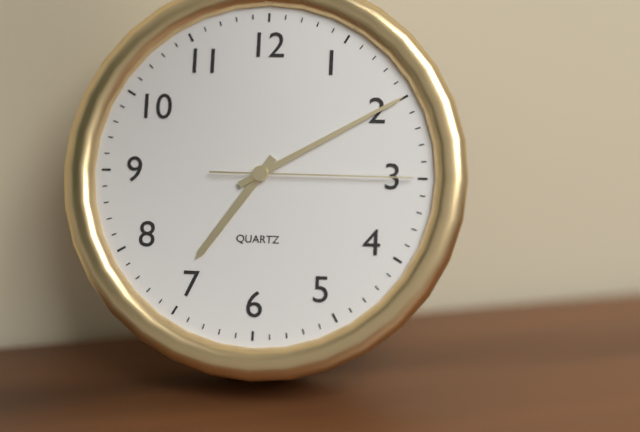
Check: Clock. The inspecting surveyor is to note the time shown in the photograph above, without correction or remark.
7:10:15
